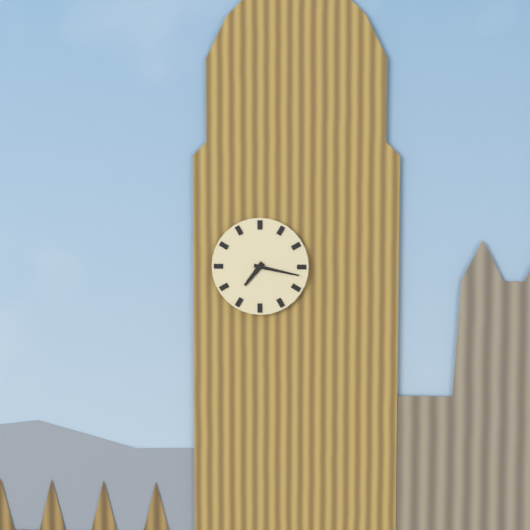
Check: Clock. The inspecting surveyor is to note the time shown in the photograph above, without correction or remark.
7:17
